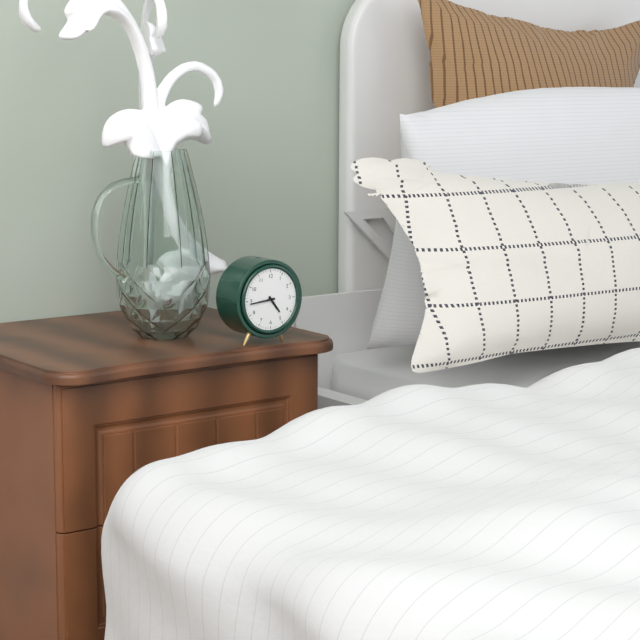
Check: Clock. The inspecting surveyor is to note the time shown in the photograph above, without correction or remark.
4:44
